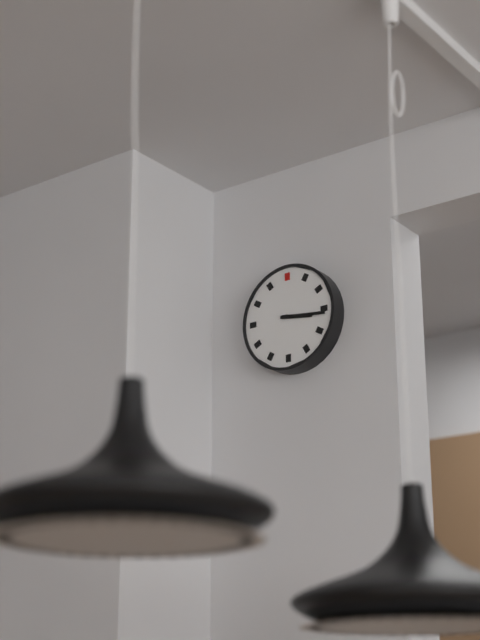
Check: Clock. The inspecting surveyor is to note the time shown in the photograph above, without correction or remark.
3:16
